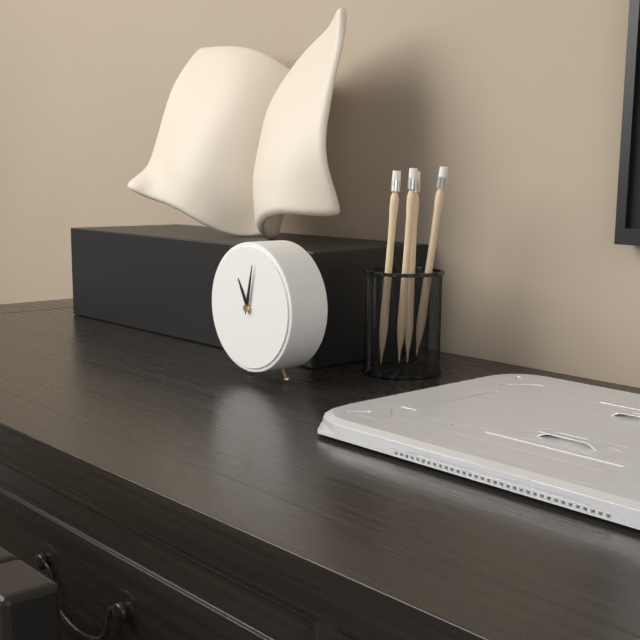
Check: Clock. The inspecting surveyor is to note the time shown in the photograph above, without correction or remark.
11:02
